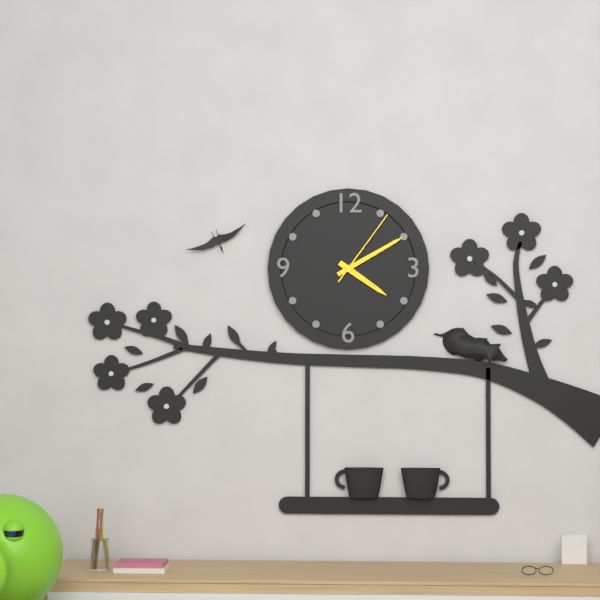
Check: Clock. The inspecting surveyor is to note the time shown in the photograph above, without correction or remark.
4:10:06
